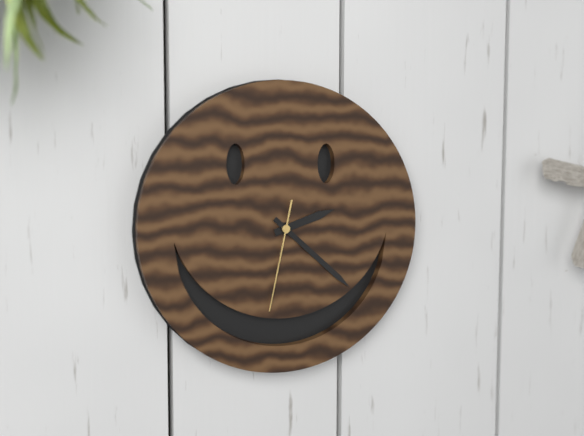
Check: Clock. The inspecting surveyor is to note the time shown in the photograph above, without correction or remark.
2:22:32
